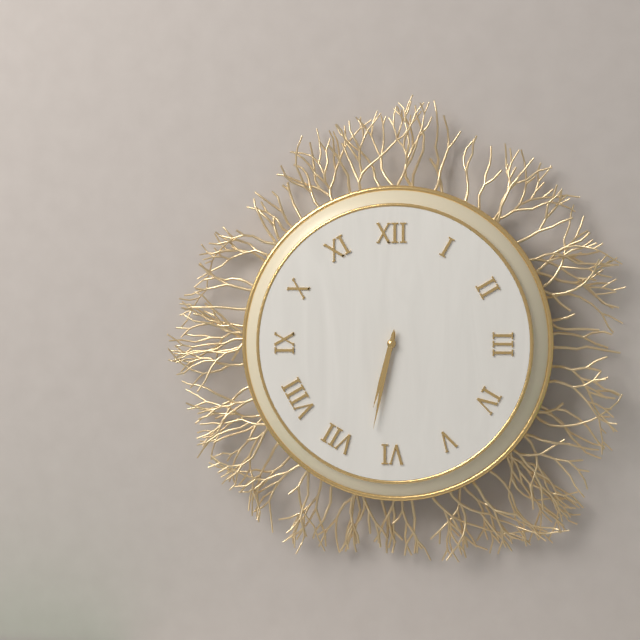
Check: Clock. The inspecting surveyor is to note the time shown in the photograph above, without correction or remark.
6:32
